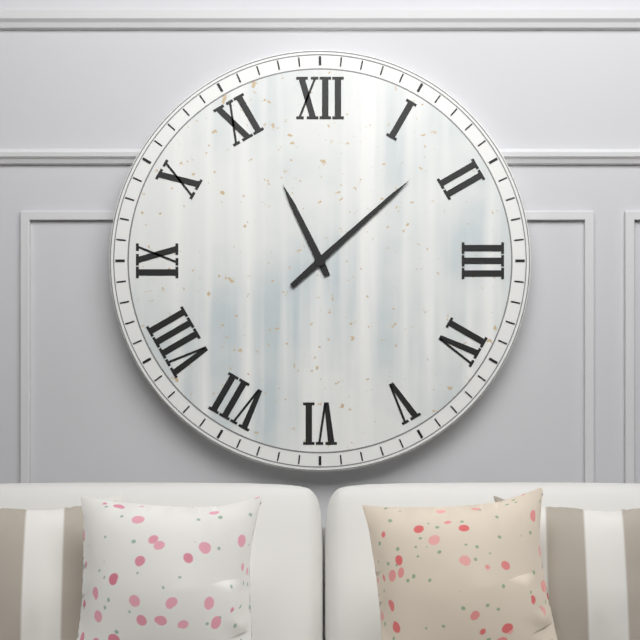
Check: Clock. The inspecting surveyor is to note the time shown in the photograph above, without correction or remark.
11:08
